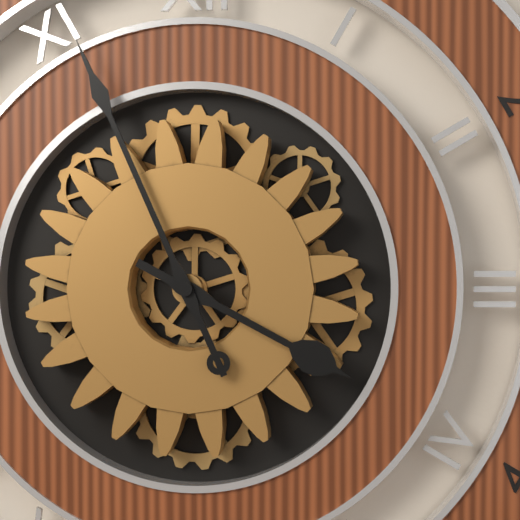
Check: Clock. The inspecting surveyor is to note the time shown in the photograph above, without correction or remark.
3:56
